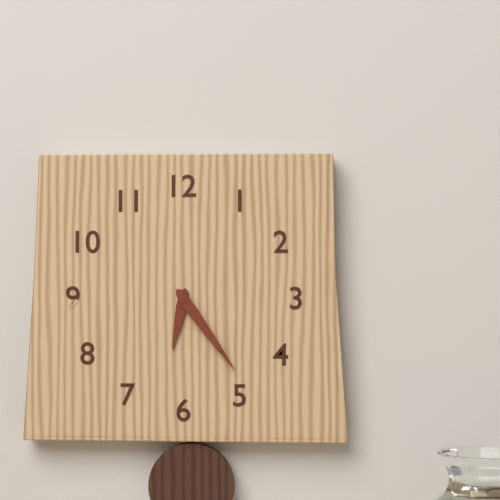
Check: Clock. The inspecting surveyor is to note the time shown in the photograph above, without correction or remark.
6:24
